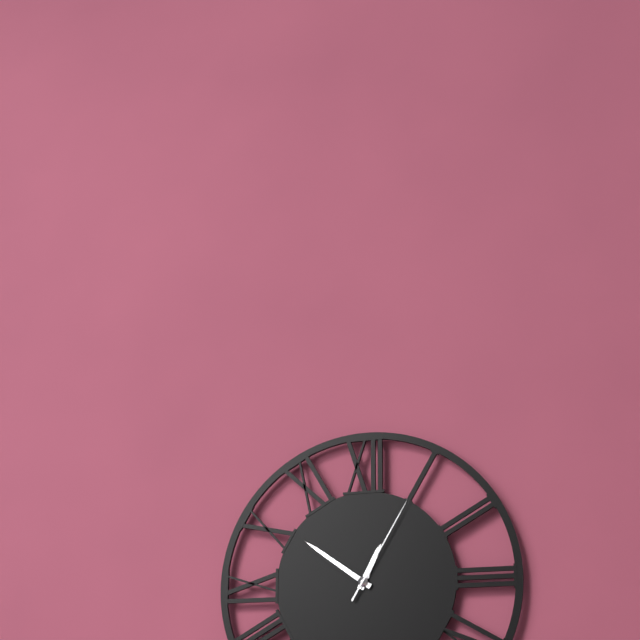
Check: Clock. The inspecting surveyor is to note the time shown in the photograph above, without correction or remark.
12:51:05
